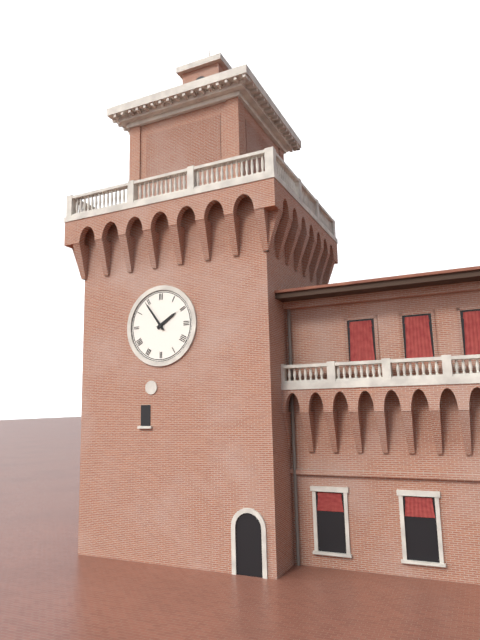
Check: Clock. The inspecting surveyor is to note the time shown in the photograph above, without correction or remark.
1:54
